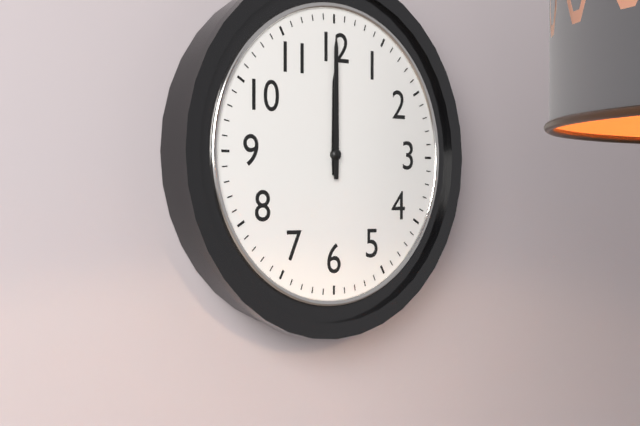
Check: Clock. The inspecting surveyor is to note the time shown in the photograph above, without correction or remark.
12:00
